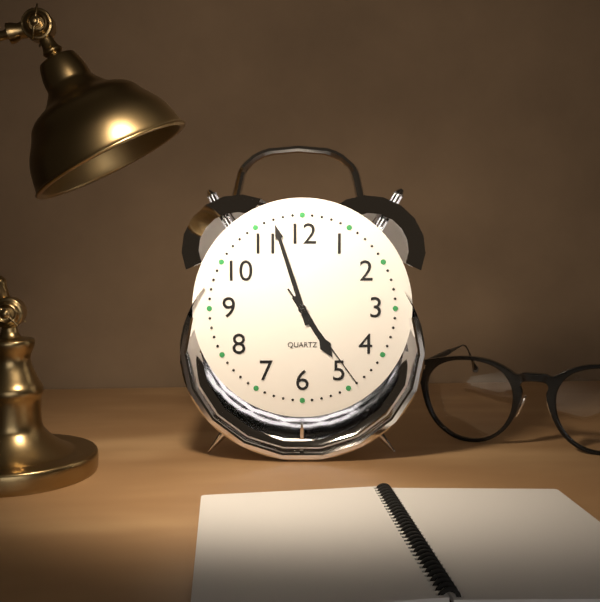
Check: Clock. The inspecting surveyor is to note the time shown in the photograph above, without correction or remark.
4:57:24
